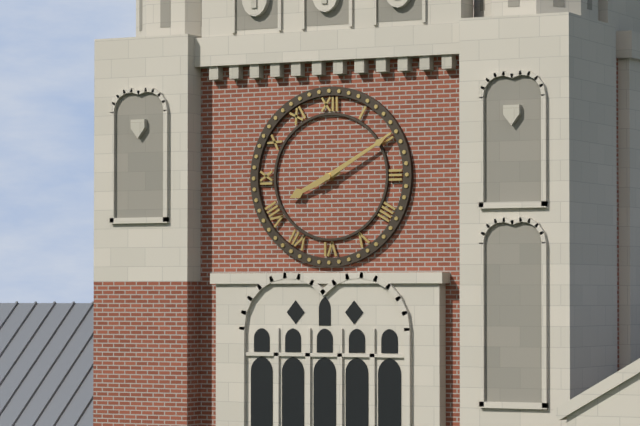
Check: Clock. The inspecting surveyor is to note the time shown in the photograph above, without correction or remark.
8:10
